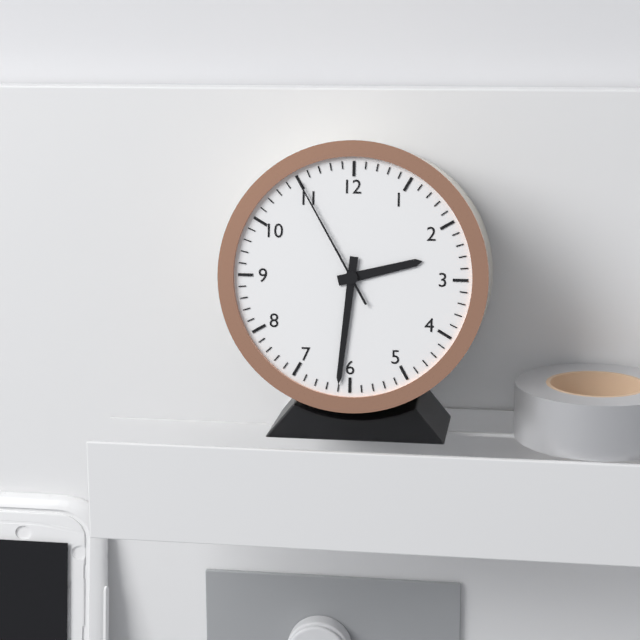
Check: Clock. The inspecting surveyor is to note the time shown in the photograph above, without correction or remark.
2:31:55
